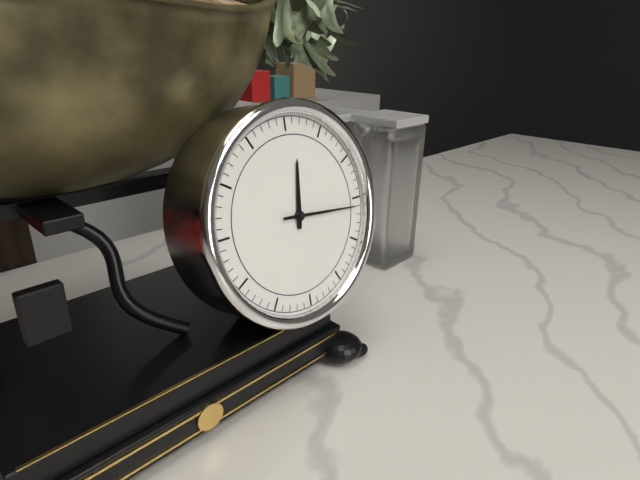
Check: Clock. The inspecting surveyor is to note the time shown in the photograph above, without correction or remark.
12:16
